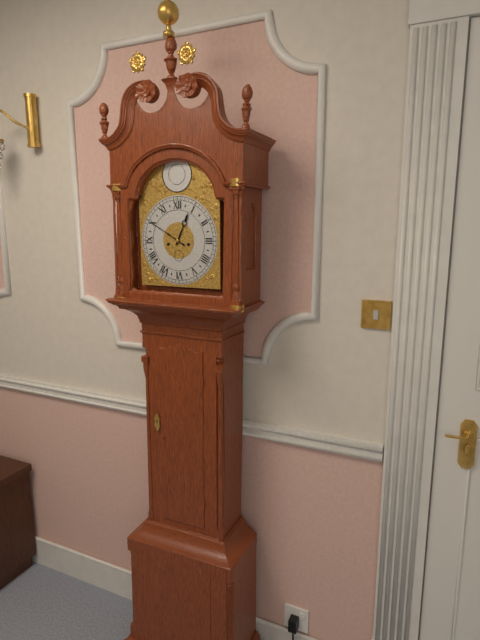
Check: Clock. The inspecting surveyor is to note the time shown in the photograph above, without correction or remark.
12:50
